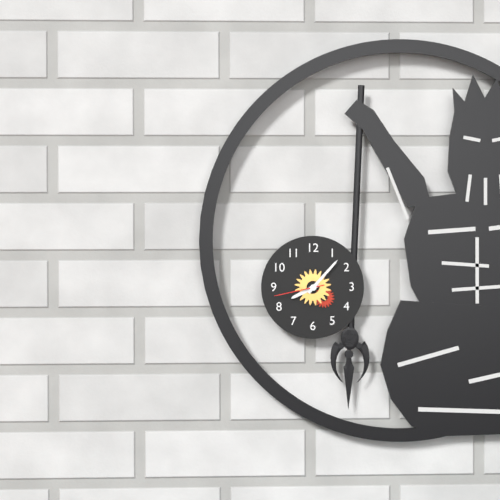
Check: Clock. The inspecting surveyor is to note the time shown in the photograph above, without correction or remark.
8:07:43
